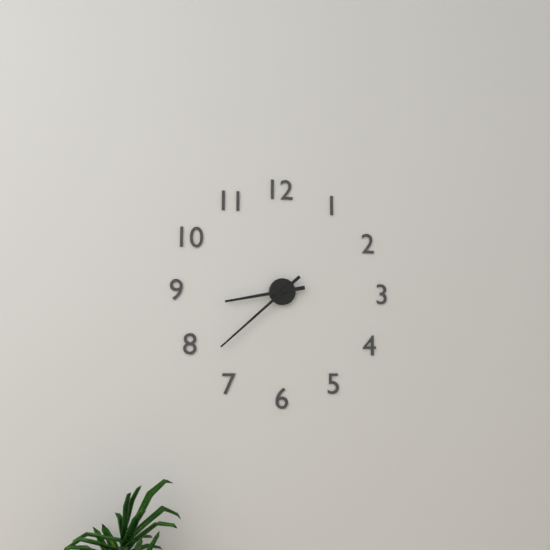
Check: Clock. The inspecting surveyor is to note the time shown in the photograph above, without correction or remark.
8:38
